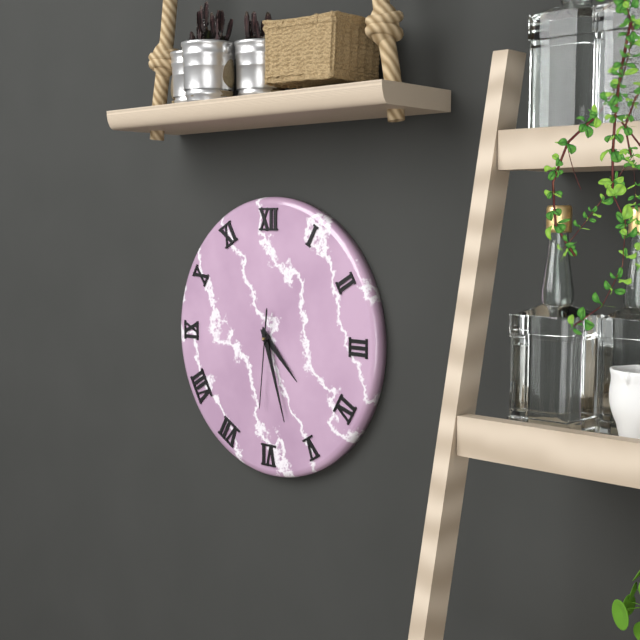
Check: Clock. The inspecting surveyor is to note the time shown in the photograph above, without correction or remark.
4:27:31
